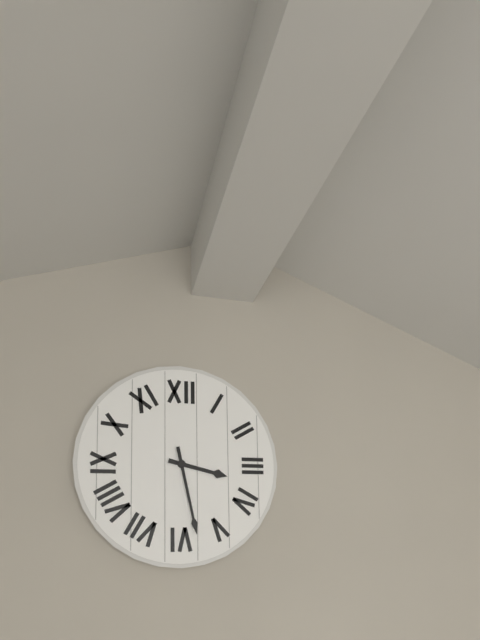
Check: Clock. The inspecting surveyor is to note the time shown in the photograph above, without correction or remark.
3:28
